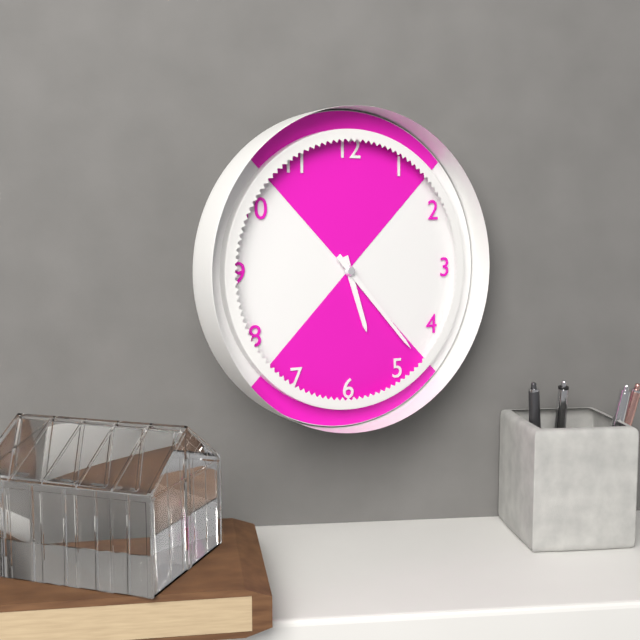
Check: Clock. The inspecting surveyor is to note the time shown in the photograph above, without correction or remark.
5:23
